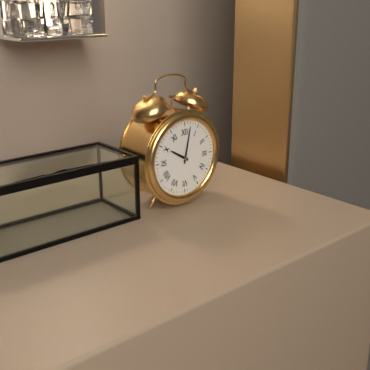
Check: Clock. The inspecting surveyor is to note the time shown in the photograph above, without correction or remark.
10:02
